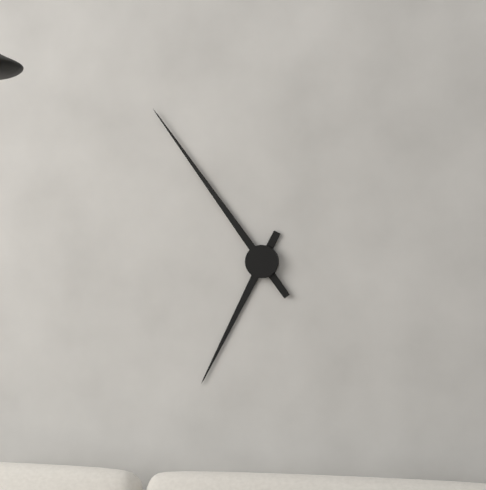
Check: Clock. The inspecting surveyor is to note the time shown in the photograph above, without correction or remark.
6:54
